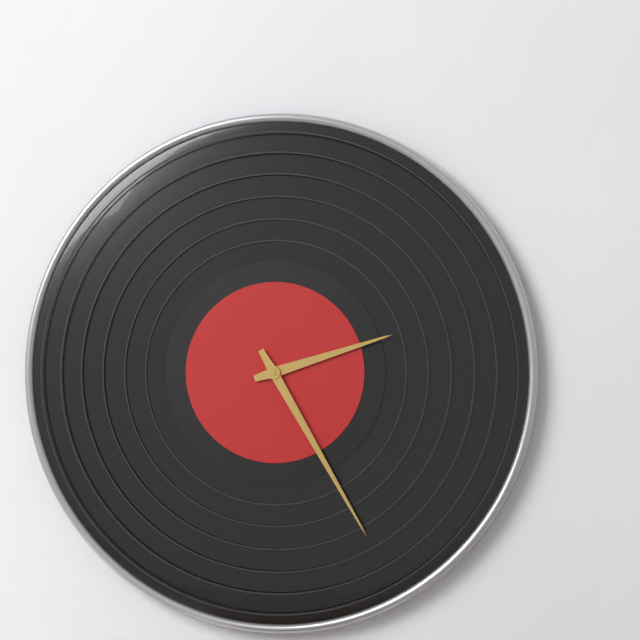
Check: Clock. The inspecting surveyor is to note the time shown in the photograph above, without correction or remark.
2:25
